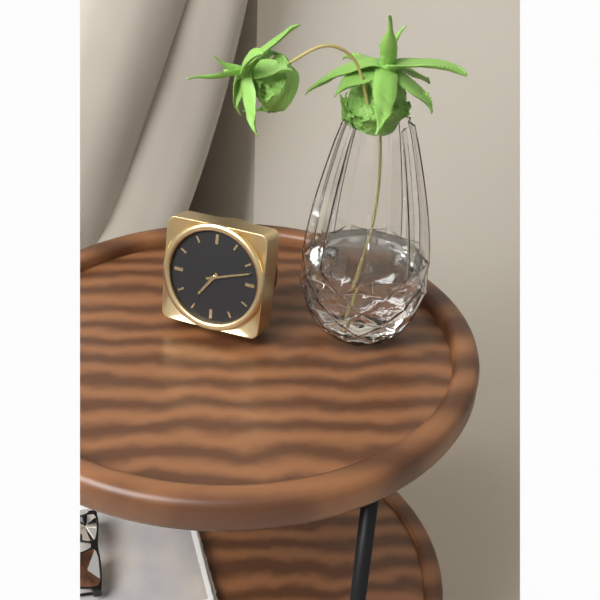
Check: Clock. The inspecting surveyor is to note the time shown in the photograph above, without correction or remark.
7:12
